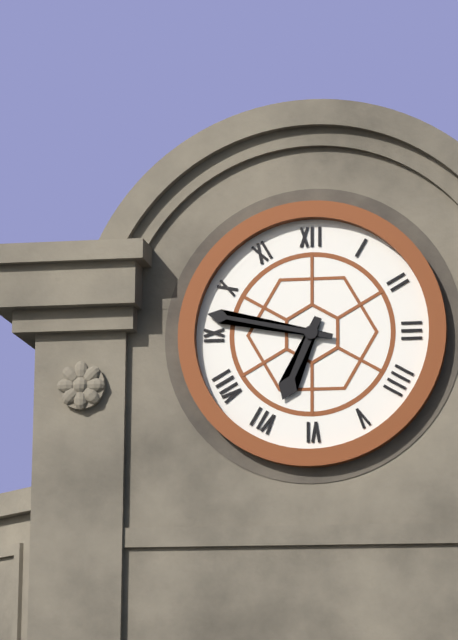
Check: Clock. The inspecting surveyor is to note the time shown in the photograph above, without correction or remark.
6:47
